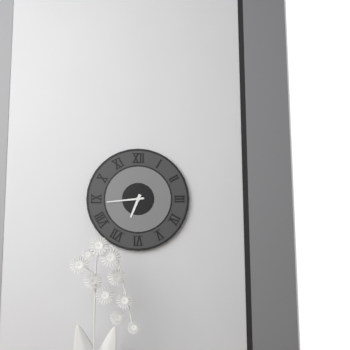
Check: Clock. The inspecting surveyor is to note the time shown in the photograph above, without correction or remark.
6:44
